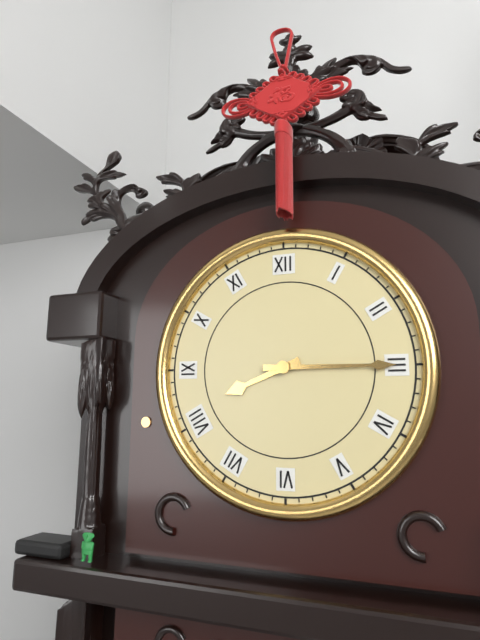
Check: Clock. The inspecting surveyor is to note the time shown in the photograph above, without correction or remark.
8:15
